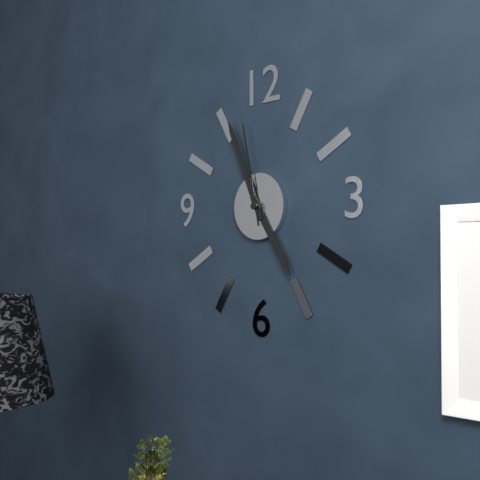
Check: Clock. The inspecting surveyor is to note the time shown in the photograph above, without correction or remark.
4:56:58
